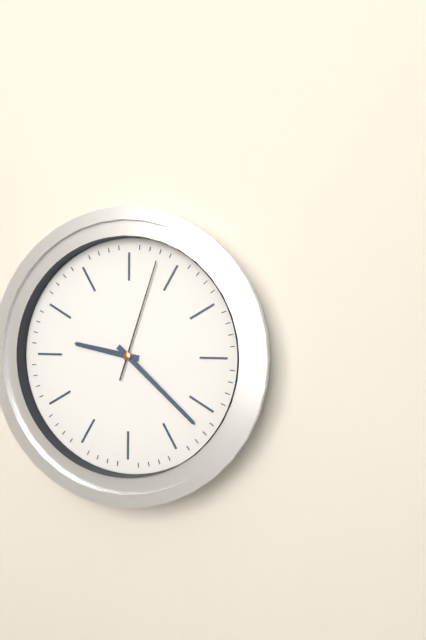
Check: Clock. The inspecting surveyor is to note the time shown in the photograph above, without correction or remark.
9:22:03
